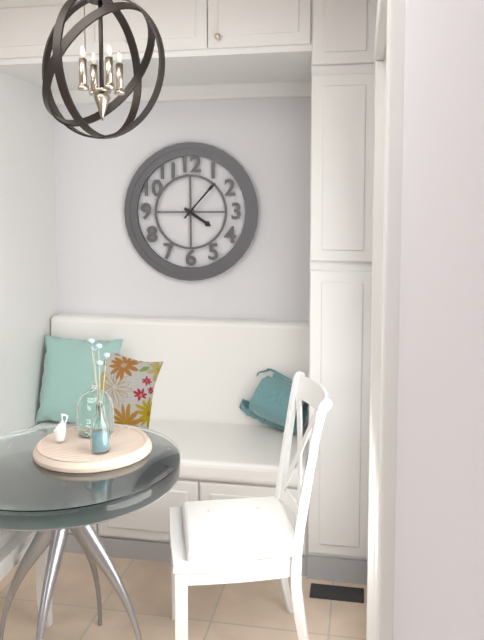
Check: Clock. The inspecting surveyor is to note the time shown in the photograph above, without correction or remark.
4:07
